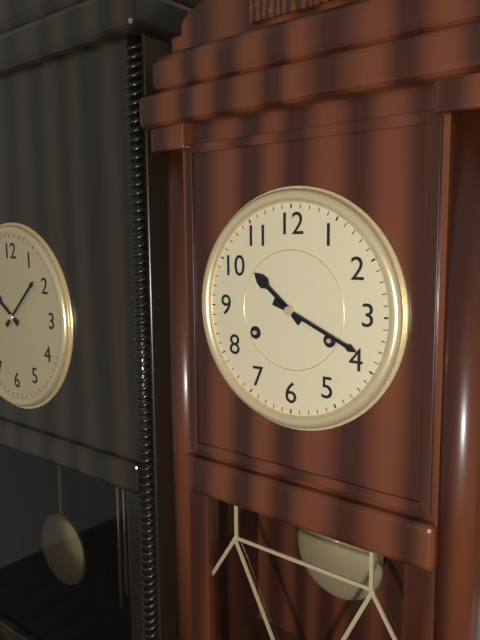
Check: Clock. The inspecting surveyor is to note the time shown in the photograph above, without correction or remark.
10:19
